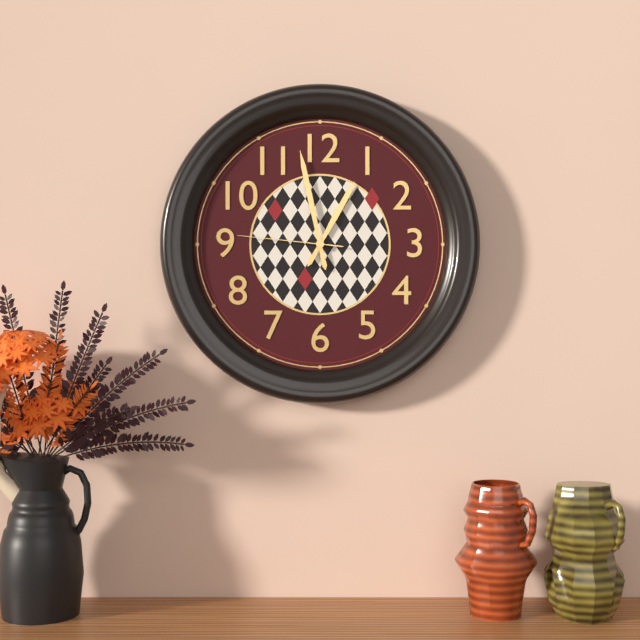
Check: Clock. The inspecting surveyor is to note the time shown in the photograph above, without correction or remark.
12:58:46
